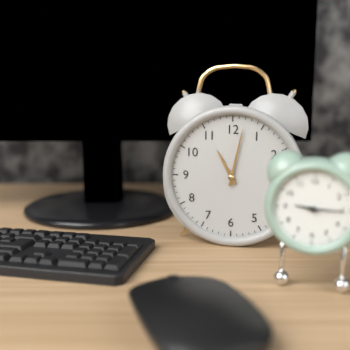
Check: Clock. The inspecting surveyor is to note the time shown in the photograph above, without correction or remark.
11:02
